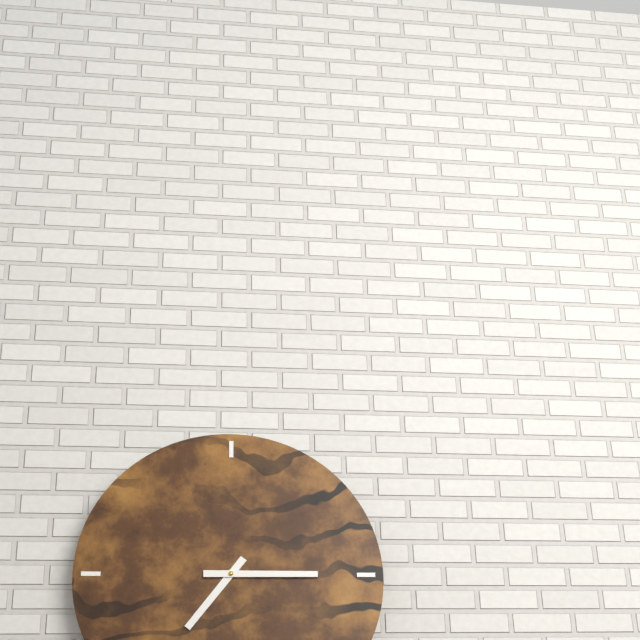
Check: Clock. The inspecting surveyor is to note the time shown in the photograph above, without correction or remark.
7:15
